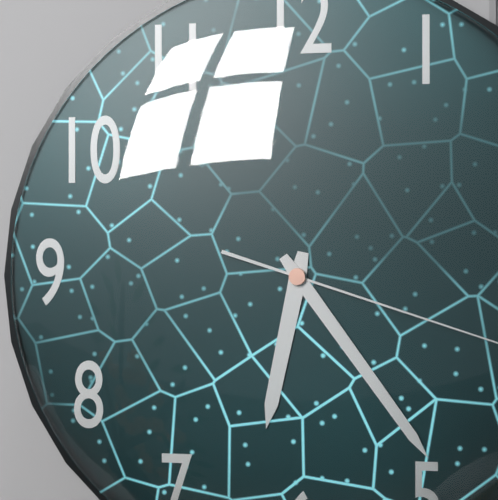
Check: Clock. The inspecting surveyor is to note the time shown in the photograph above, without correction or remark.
6:24
